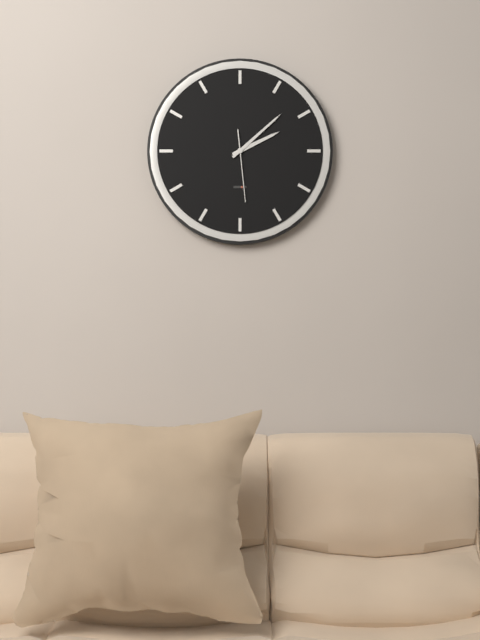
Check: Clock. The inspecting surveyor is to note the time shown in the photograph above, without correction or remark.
2:08:29
